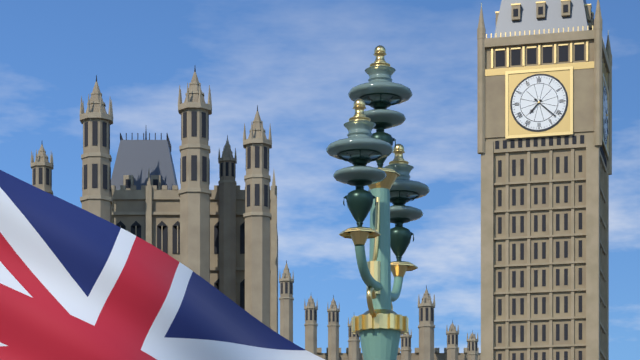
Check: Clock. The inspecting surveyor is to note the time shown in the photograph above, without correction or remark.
7:22
